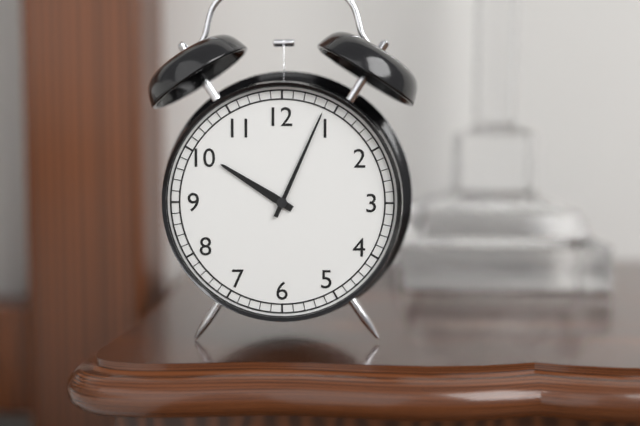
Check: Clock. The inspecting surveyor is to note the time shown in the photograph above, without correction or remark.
10:04
